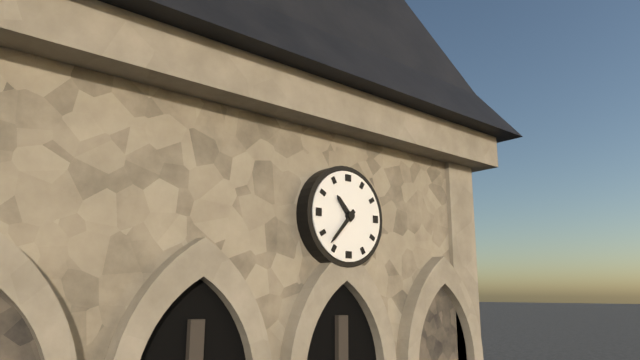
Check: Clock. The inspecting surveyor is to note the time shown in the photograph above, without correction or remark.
10:37
